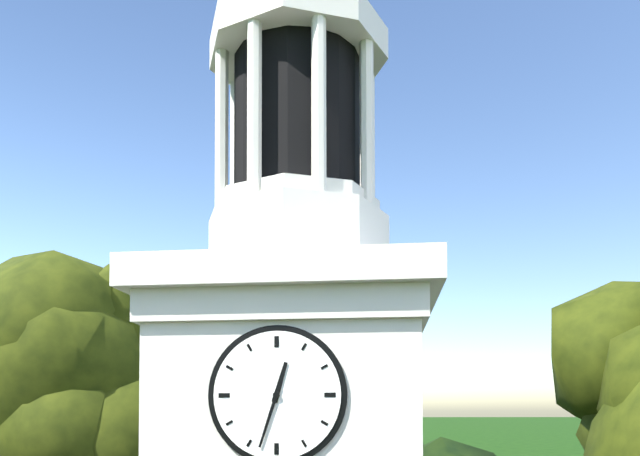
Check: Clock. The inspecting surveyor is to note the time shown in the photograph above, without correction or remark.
12:33
